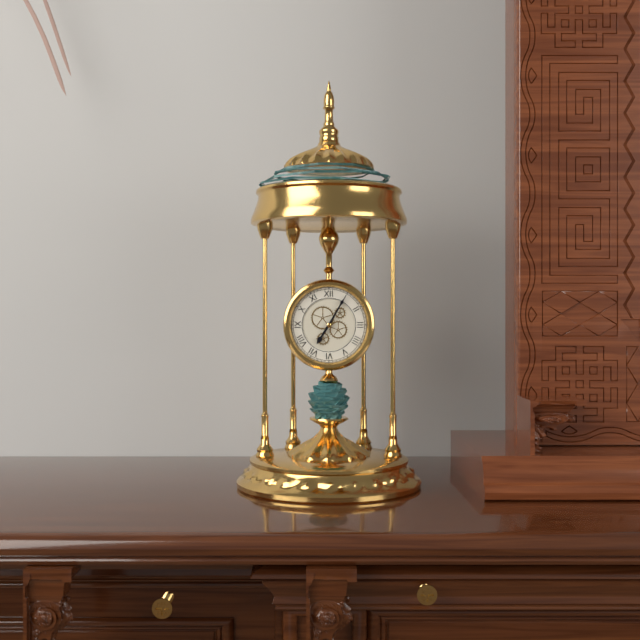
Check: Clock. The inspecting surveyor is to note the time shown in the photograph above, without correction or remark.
7:05
